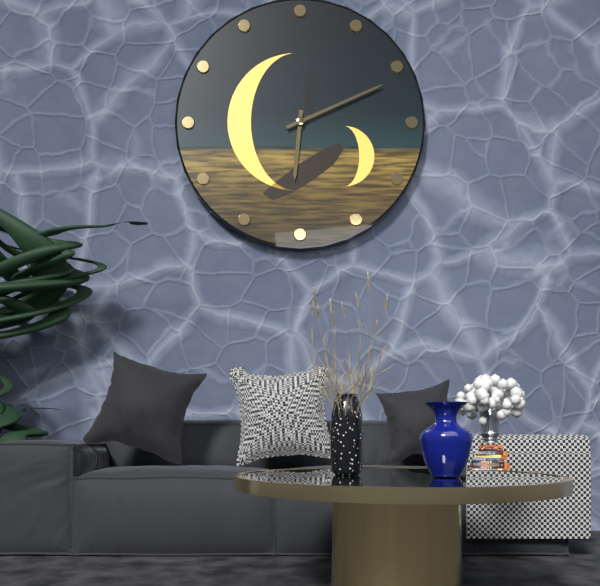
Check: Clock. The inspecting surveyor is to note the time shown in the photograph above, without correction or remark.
6:11
